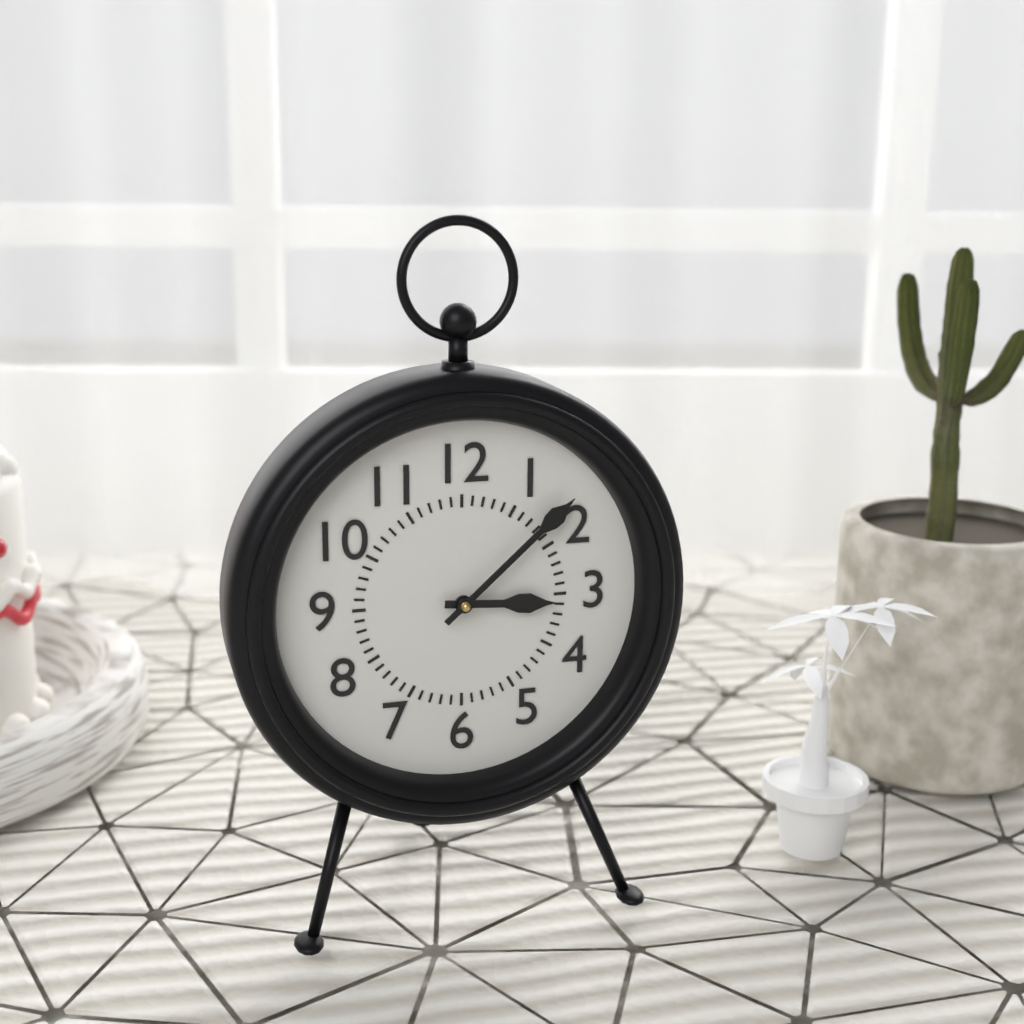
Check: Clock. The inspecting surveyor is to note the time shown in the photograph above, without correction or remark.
3:08
